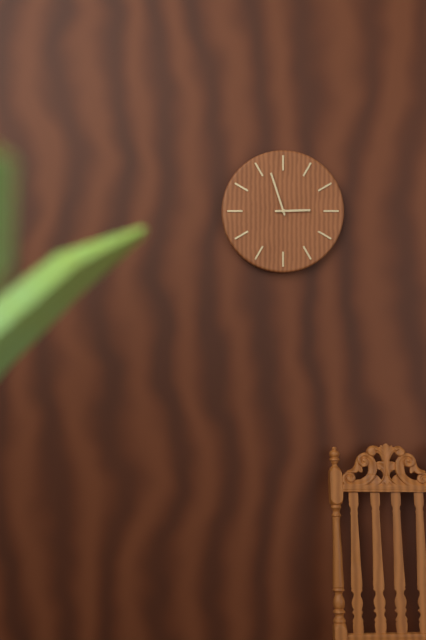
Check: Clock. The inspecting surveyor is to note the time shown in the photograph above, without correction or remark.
2:57
